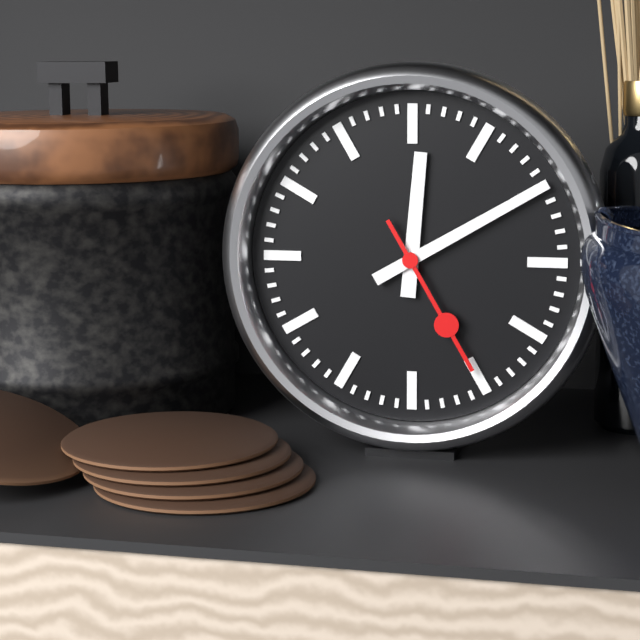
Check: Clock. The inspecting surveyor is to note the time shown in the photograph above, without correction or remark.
12:10:25
